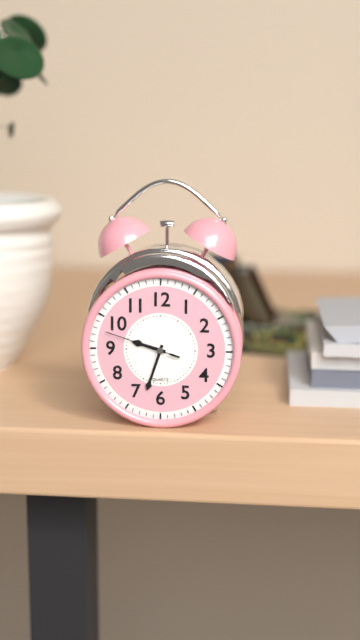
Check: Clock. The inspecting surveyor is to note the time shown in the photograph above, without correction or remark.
9:33:48
